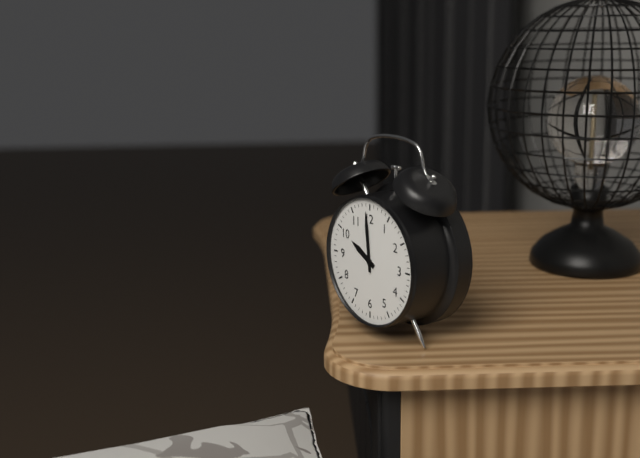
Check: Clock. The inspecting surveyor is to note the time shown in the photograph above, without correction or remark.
9:59
